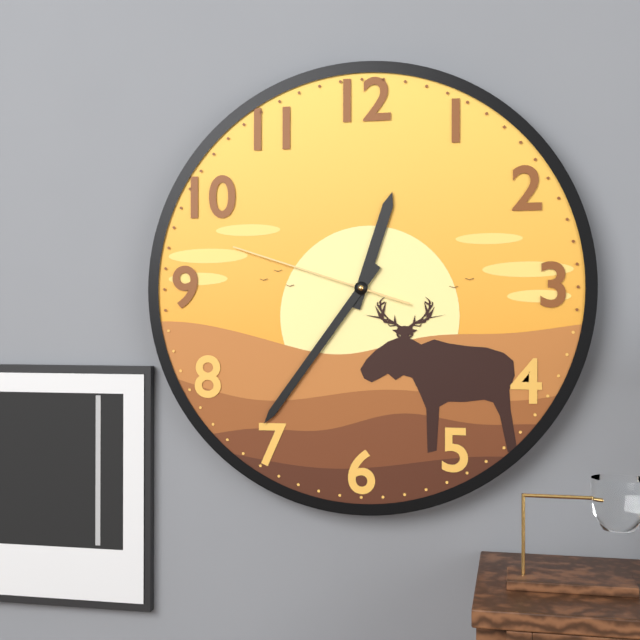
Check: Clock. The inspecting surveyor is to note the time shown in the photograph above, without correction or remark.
12:36:48
